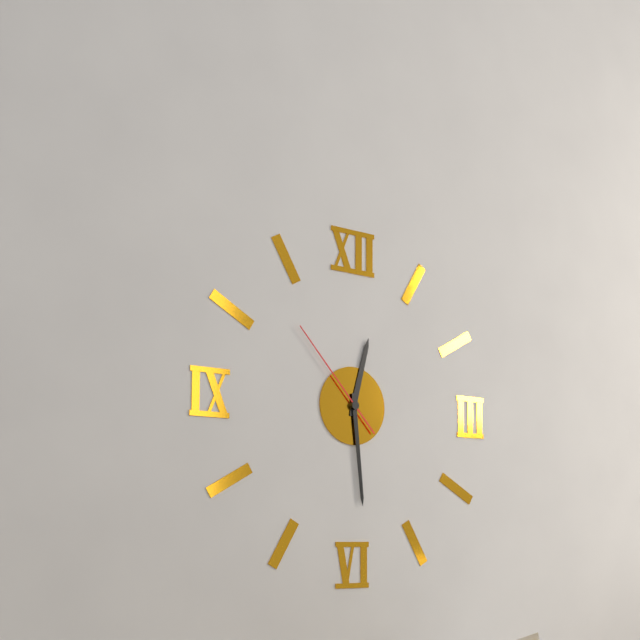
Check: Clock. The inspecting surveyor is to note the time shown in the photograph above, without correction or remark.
12:29:53
